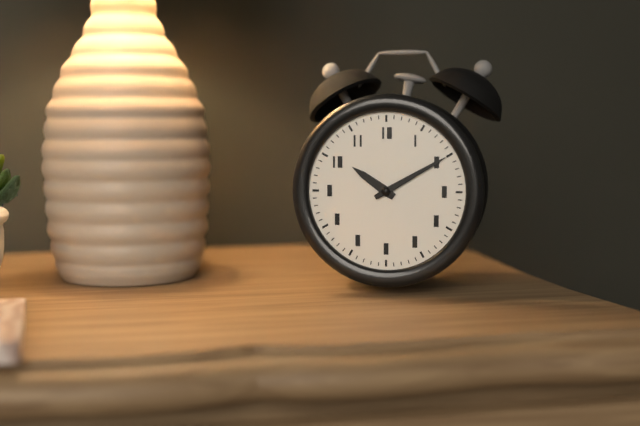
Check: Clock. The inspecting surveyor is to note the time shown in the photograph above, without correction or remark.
10:10
